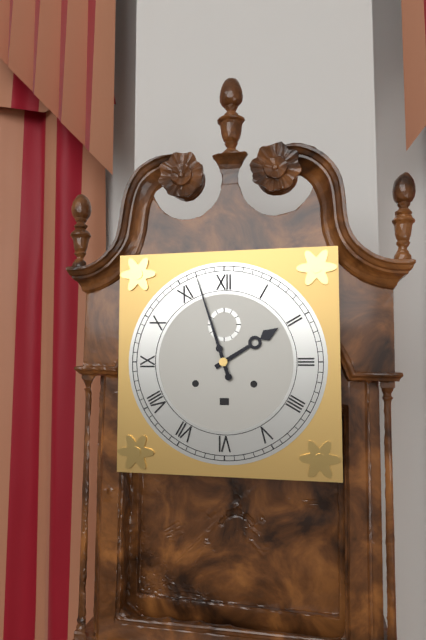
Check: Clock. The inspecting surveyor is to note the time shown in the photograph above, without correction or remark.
1:57
